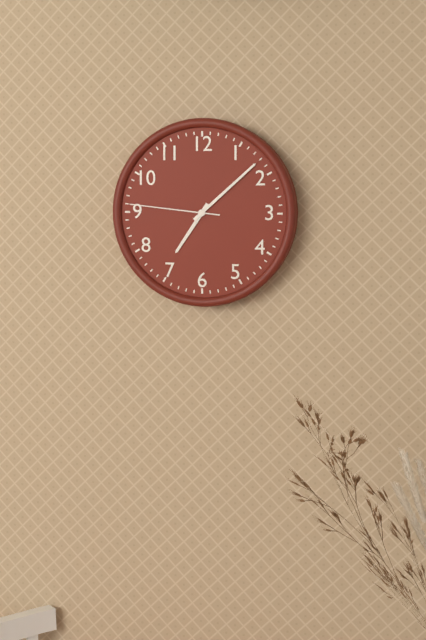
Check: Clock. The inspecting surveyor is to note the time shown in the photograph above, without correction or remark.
7:08:46
